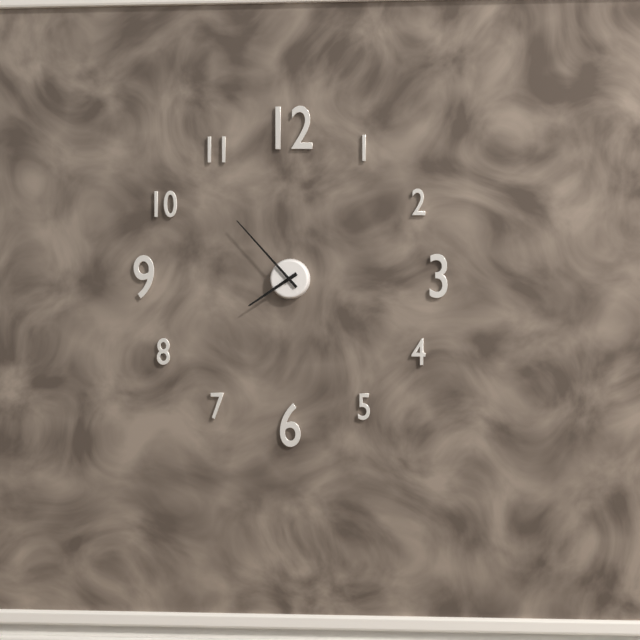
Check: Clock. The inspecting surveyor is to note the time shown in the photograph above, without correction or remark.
7:53
